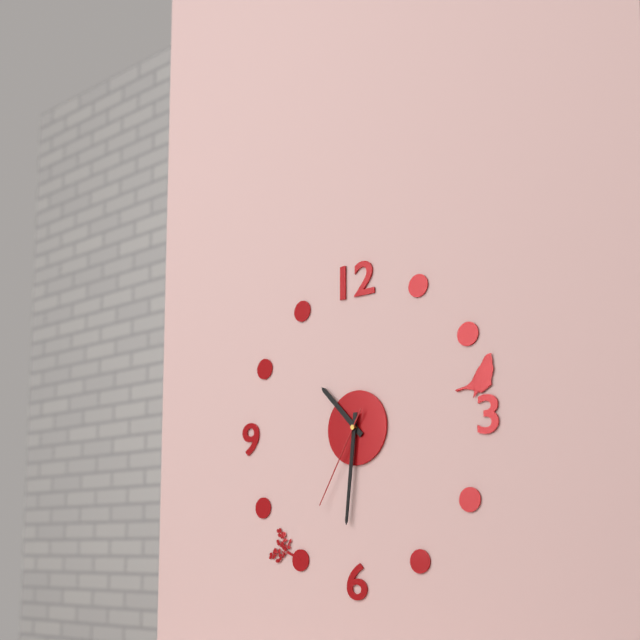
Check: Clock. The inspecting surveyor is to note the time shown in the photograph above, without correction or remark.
10:31:35
